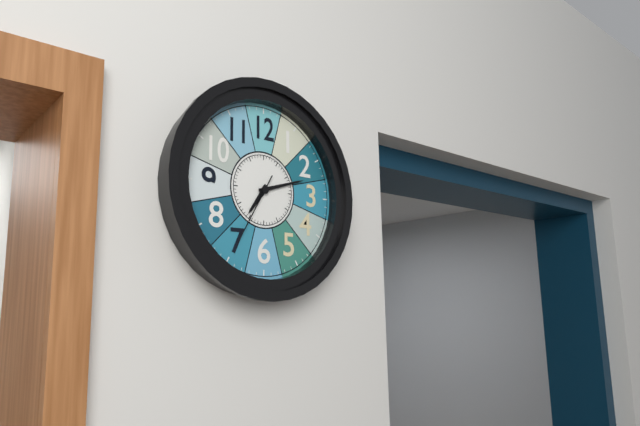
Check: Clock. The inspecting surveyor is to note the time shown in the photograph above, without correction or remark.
7:12:35
